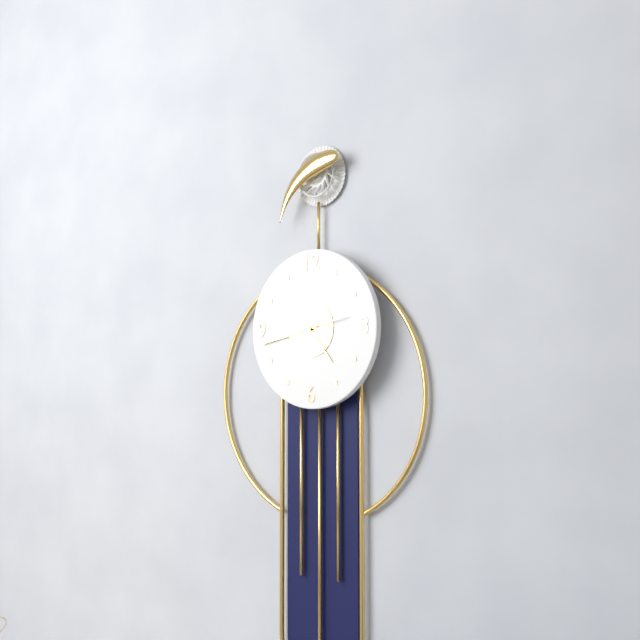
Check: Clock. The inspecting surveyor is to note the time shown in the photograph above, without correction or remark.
4:43:13
